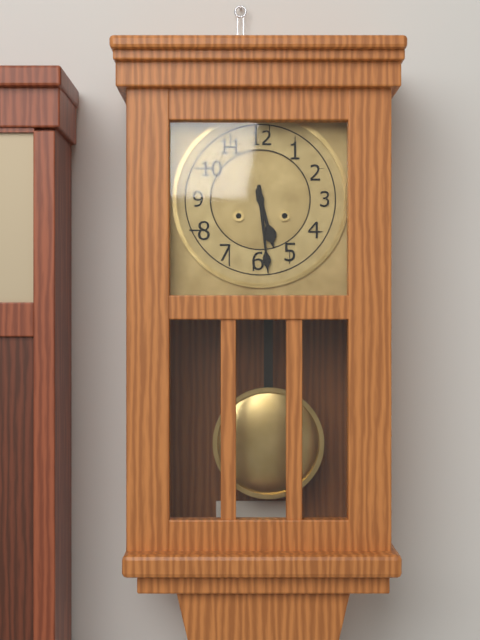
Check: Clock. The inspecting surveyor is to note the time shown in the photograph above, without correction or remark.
5:29
